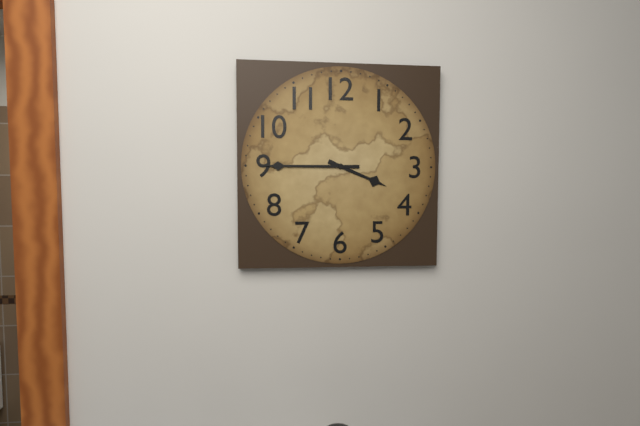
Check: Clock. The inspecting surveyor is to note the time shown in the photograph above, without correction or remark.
3:45
